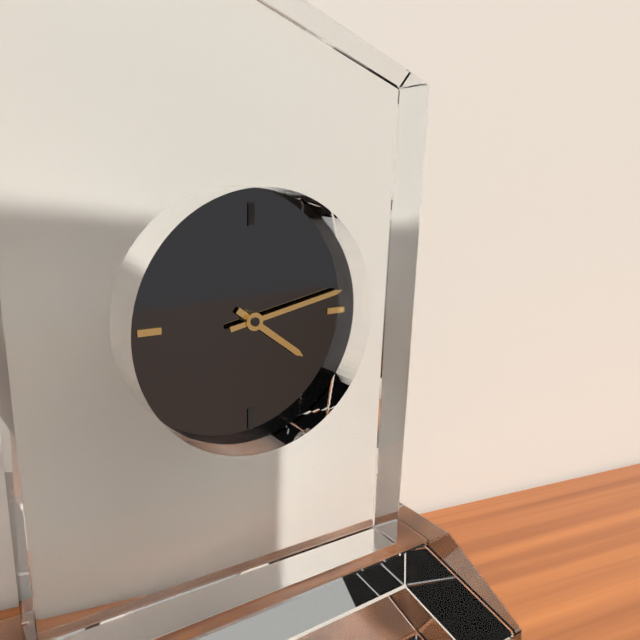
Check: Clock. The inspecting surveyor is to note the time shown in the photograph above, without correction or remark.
4:13
